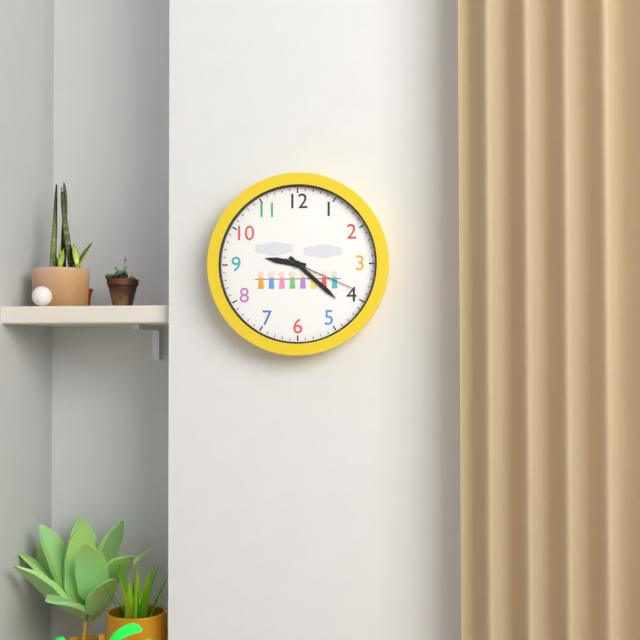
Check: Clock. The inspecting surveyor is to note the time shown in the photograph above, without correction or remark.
9:22:19
